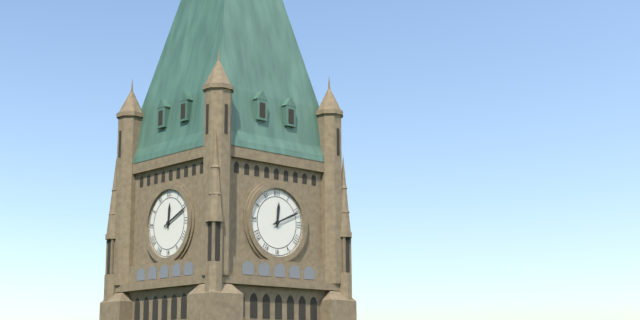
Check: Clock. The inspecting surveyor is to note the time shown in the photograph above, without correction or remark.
12:11
